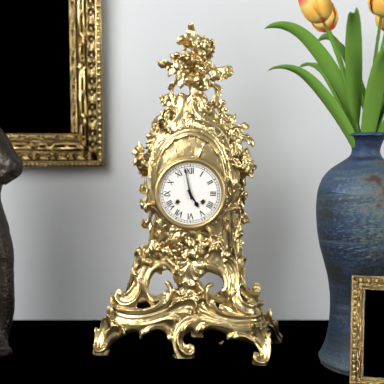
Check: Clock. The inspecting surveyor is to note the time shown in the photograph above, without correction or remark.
4:58
